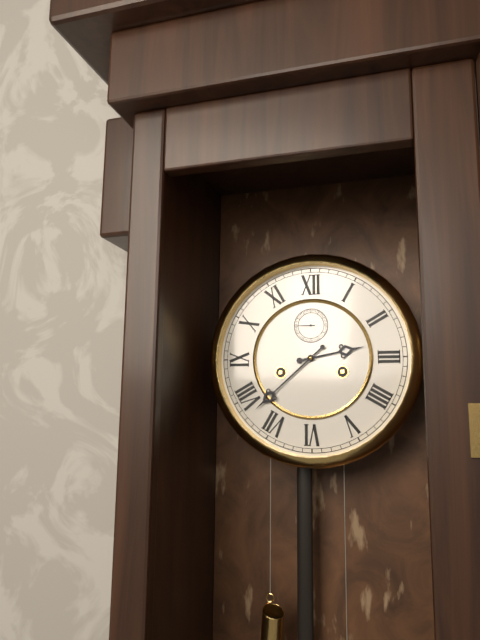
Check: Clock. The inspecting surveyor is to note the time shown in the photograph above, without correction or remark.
2:38
